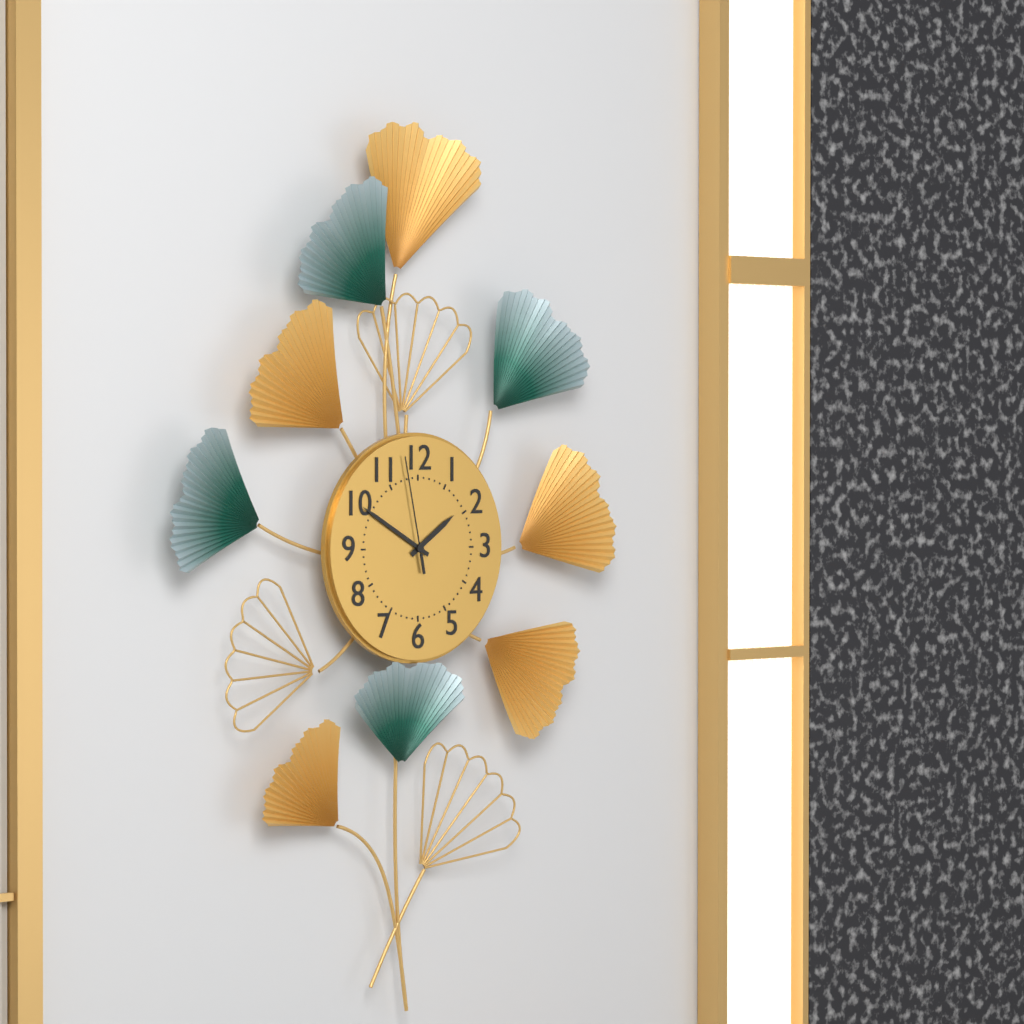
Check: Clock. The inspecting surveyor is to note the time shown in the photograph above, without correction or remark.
1:50:58
